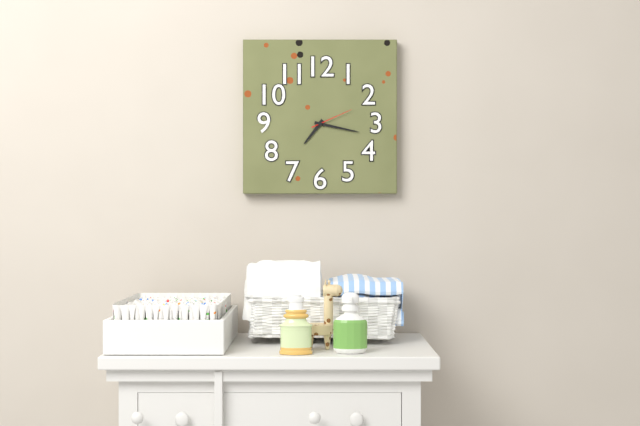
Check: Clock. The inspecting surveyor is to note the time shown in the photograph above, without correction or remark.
7:17
